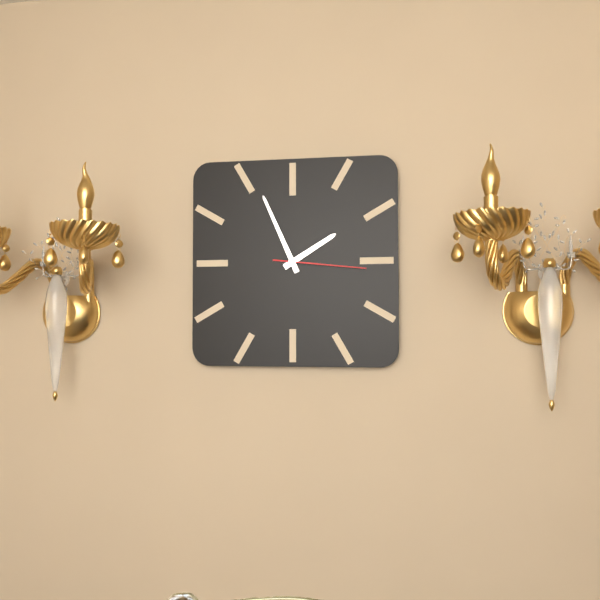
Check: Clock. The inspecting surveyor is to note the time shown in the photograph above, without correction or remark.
1:56:16
